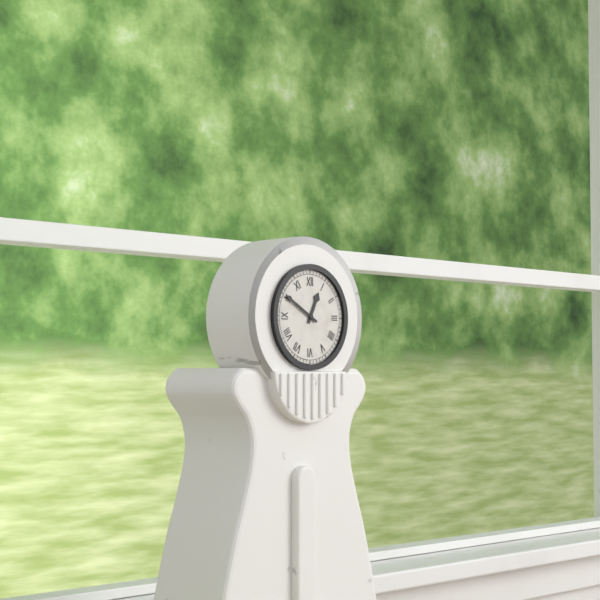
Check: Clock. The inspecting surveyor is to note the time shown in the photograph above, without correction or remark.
12:50
